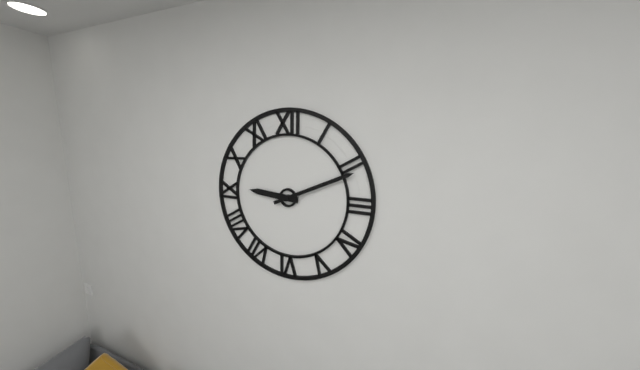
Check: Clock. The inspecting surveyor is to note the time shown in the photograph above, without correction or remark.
9:11
